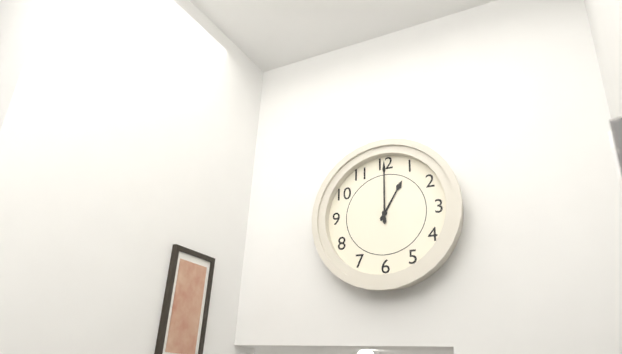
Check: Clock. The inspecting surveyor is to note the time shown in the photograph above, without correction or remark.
1:00
